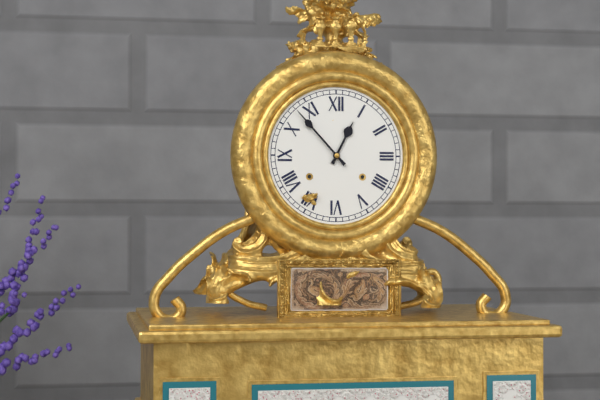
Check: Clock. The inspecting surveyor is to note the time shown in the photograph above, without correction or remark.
12:53
